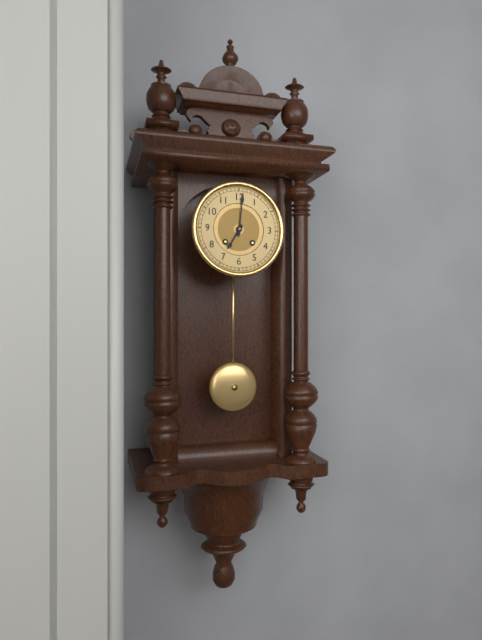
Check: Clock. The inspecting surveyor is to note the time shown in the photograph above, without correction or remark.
7:01
